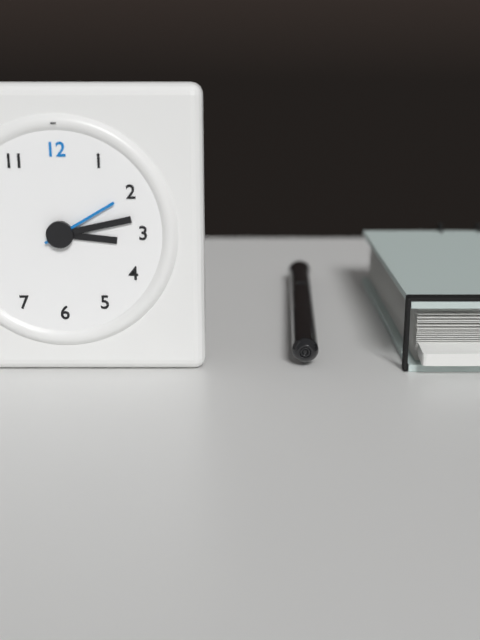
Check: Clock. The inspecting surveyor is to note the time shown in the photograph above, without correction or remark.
3:13:10
